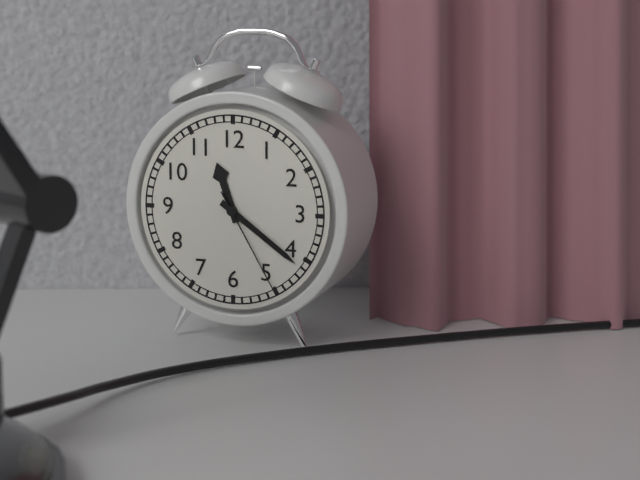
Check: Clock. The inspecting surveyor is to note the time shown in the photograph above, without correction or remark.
11:21:25
